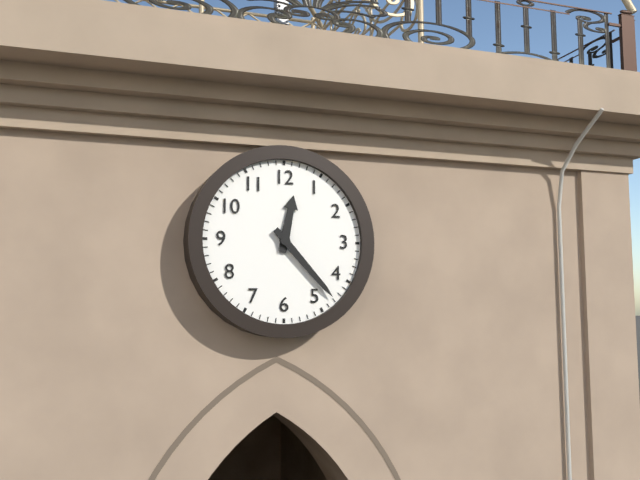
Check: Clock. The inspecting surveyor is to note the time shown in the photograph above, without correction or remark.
12:23
